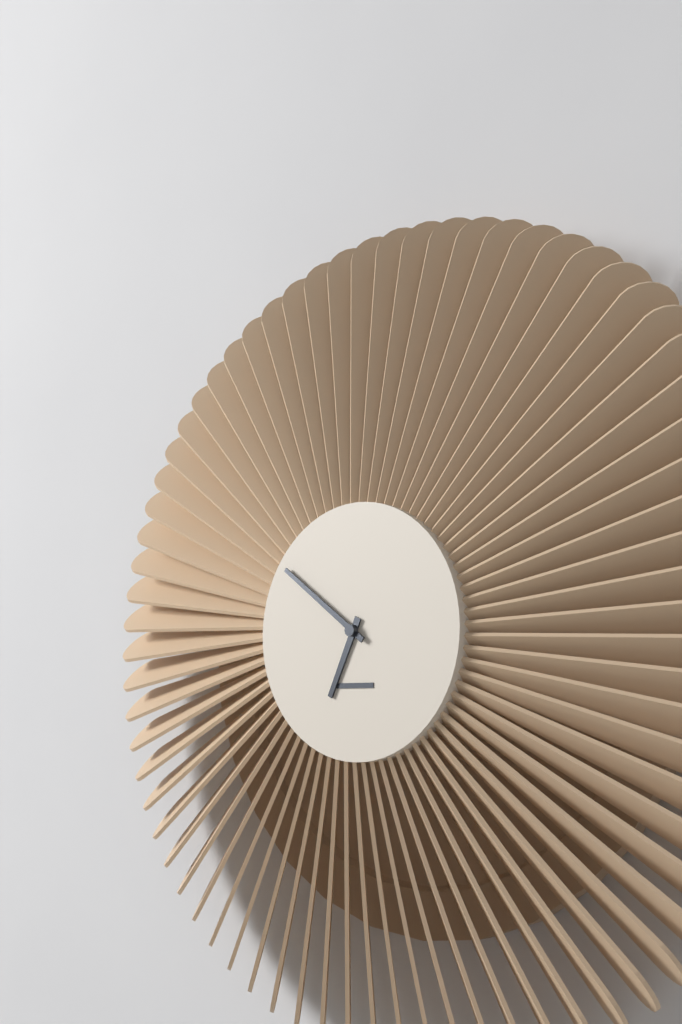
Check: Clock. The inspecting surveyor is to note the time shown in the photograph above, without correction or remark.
6:51
